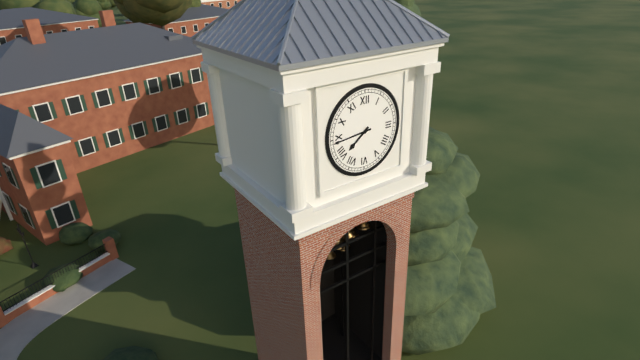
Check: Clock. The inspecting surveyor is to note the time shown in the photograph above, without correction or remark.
7:44
